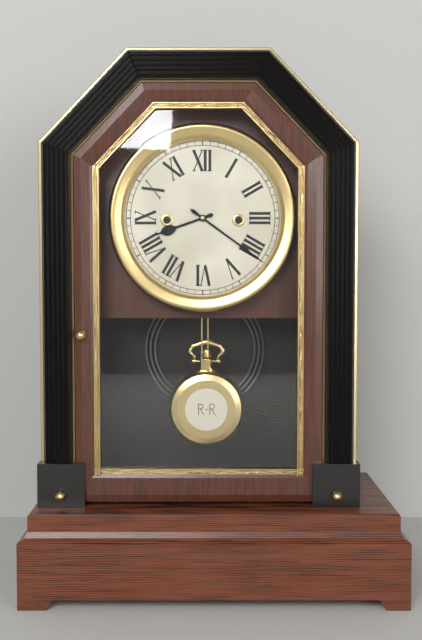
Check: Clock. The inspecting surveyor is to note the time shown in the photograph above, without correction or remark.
8:21
